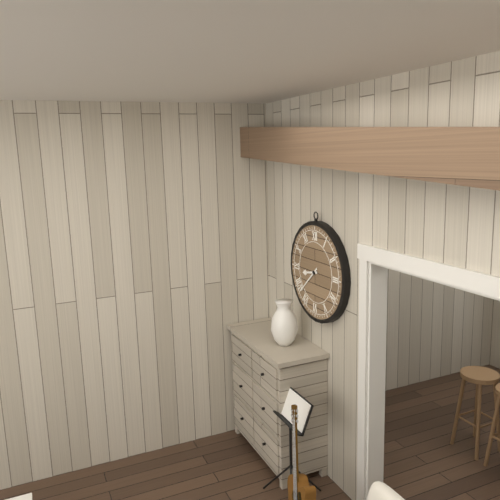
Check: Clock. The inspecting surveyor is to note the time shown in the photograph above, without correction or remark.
8:38
